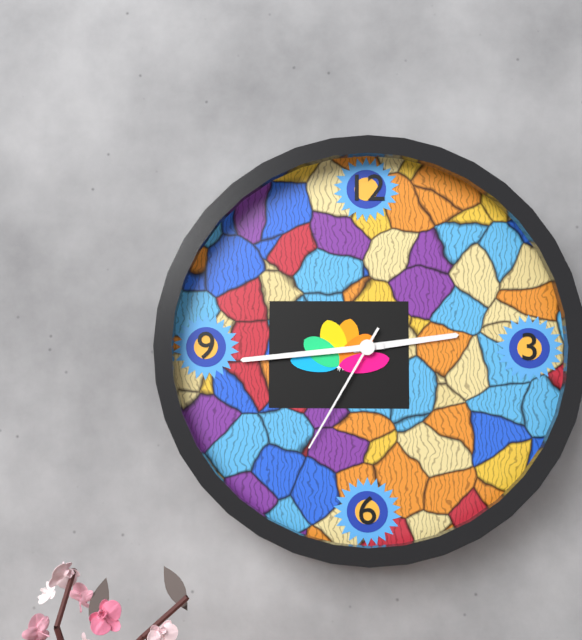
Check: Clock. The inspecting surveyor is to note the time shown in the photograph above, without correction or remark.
2:44:35
